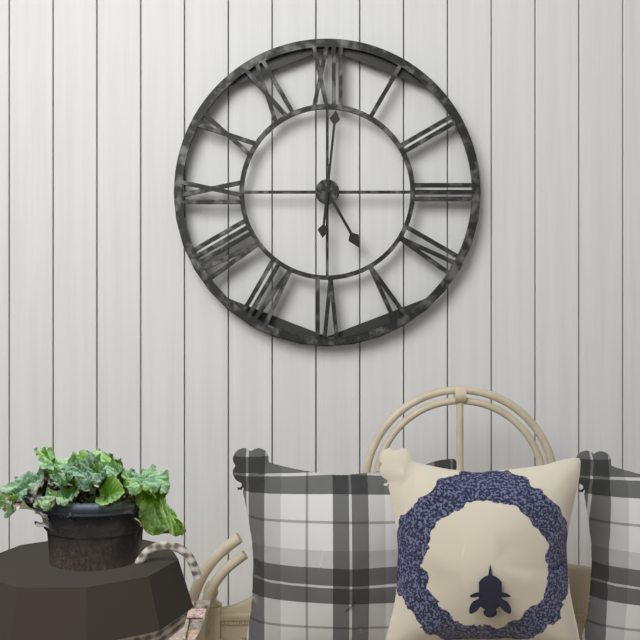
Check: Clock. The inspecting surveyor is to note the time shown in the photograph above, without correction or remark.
5:01
